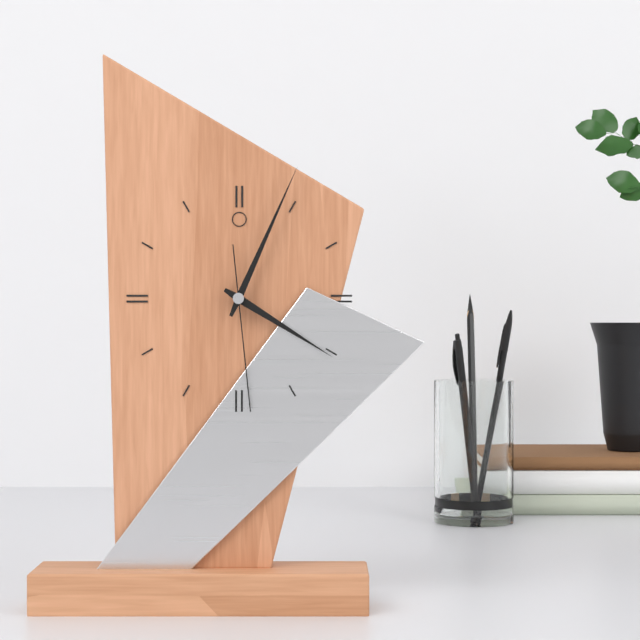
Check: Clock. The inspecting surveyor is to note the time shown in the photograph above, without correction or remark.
4:04:29
